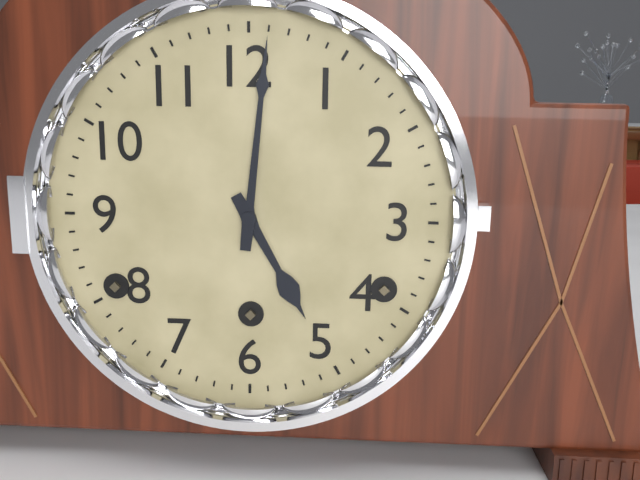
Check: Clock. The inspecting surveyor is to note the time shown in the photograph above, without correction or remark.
5:01
